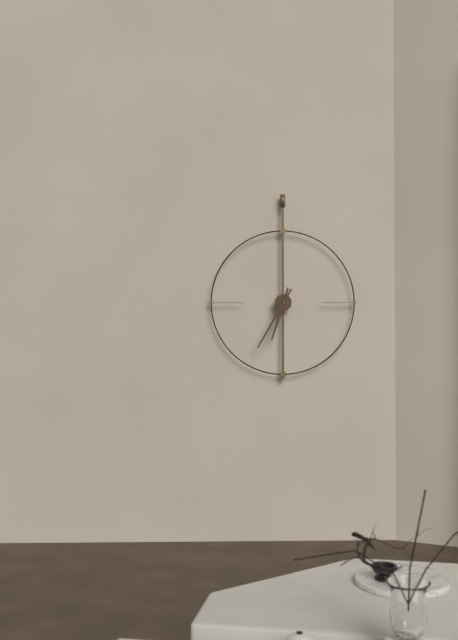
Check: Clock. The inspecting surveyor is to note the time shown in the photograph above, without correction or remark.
6:35
